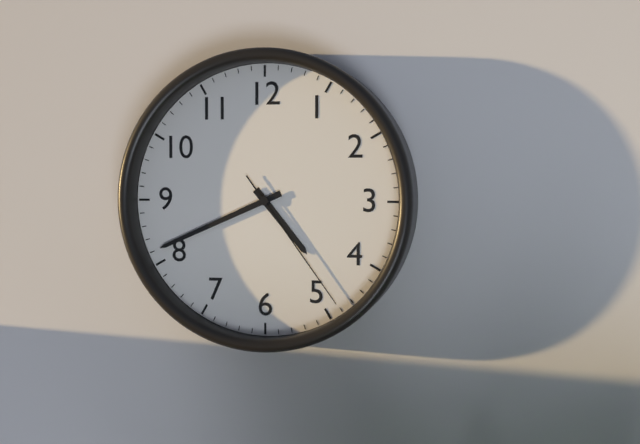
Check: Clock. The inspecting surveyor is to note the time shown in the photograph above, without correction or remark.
4:41:24
